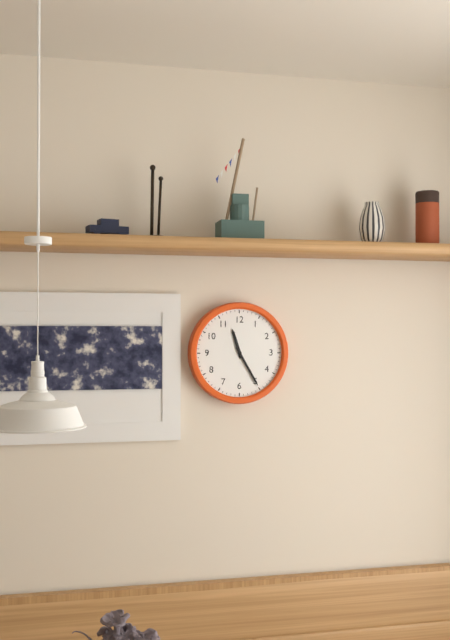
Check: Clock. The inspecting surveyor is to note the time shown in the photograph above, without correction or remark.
11:25
